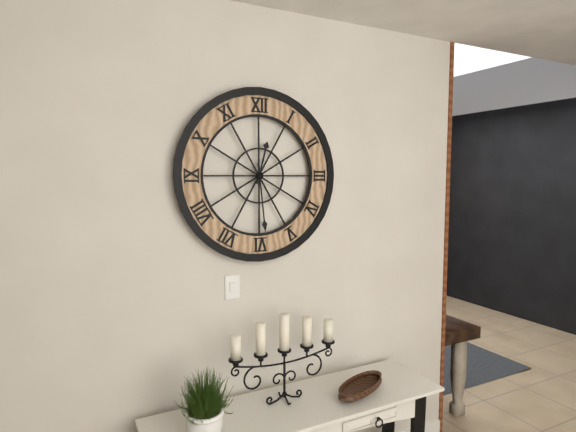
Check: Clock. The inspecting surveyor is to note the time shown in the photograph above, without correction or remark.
12:29
